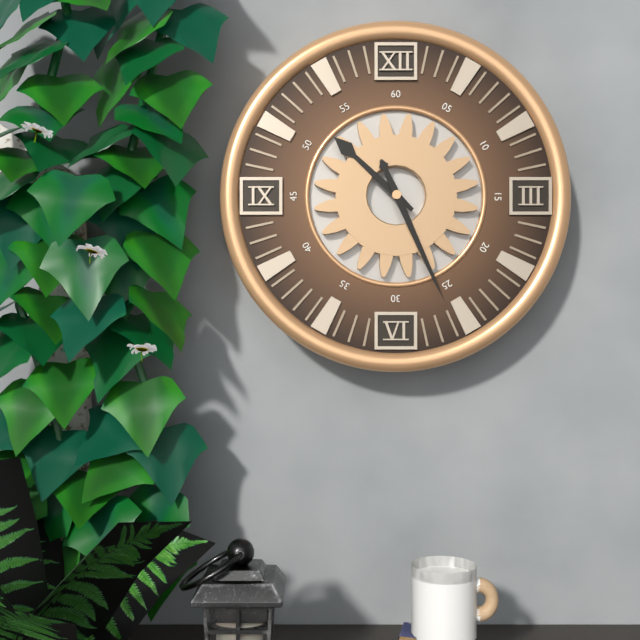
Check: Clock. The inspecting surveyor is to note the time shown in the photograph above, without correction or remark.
10:26
